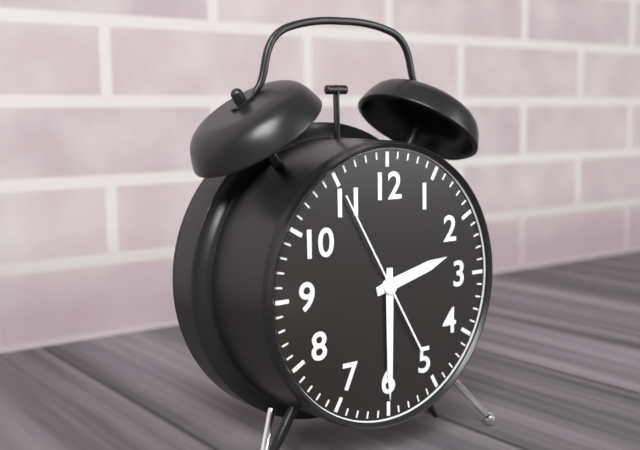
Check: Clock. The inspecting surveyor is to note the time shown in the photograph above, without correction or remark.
2:30:55
